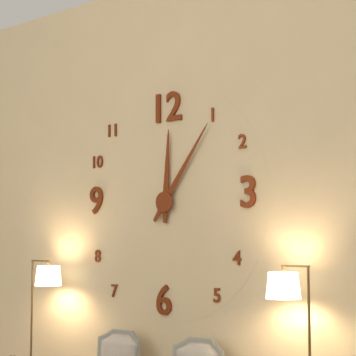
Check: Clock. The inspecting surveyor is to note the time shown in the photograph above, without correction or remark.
12:06
